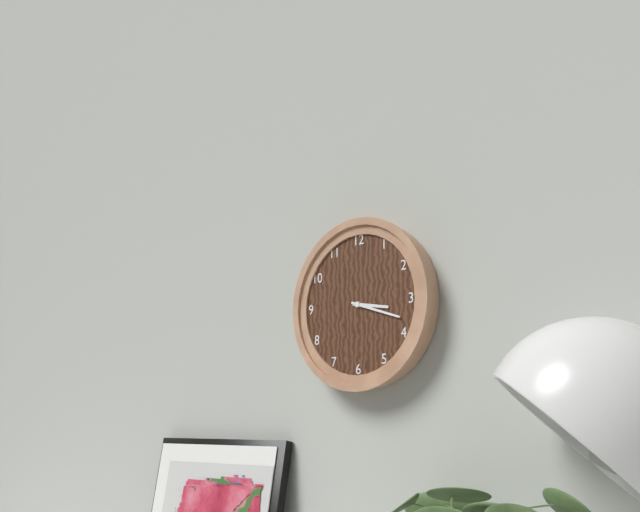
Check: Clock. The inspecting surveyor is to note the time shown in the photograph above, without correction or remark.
3:18
